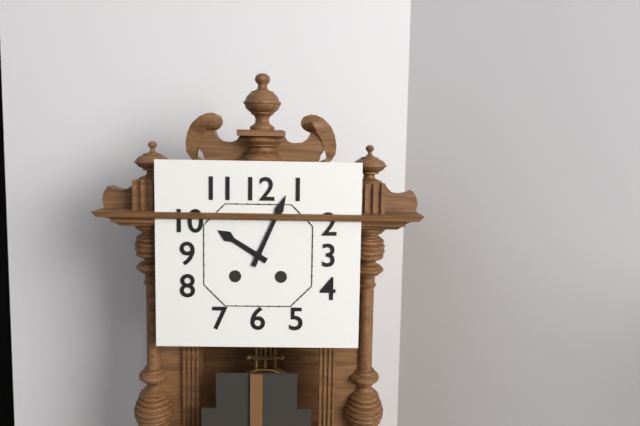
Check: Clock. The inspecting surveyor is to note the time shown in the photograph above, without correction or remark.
10:04
